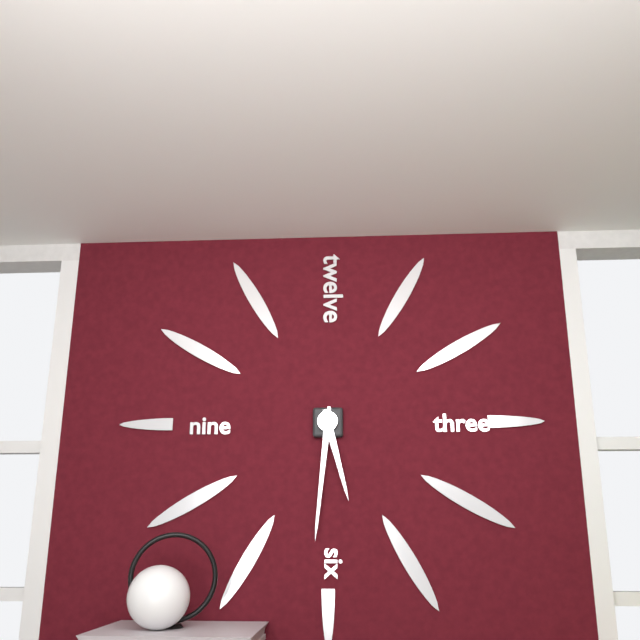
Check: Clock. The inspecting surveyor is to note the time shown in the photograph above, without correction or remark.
5:31
